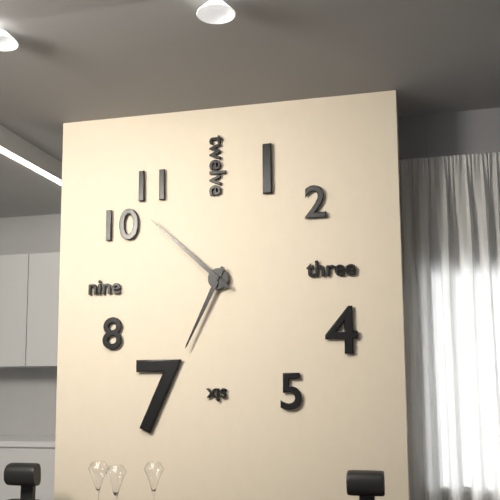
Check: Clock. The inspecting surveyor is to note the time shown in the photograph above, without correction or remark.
6:52
